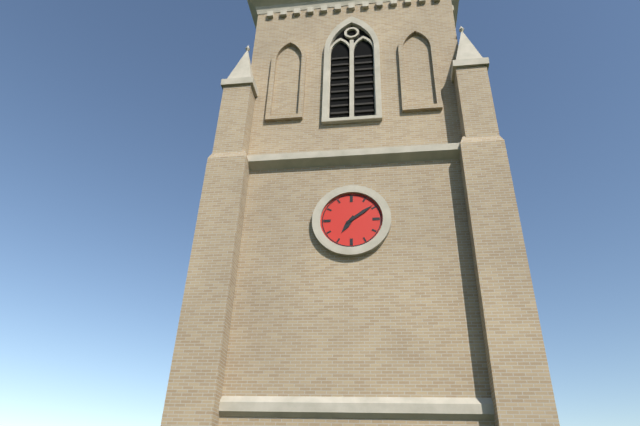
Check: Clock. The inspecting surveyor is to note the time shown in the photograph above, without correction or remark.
7:09
